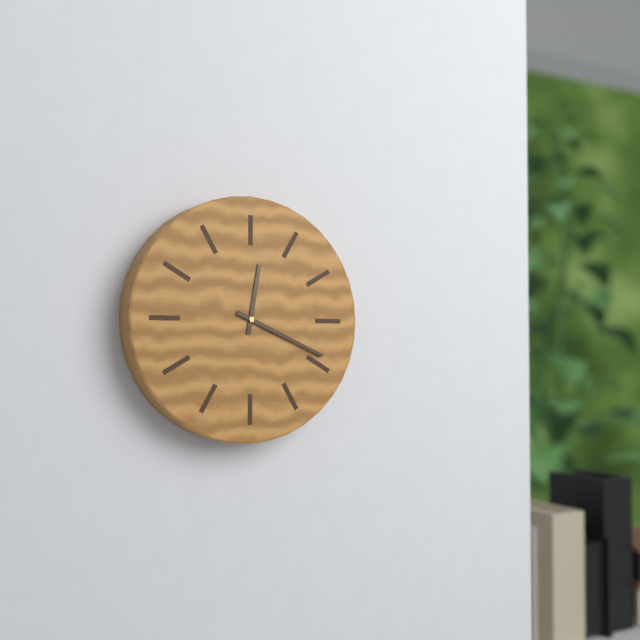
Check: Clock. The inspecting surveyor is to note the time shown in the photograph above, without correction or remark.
12:19
